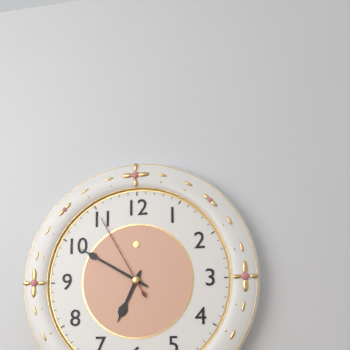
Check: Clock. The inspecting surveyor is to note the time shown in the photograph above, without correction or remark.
6:50:55
